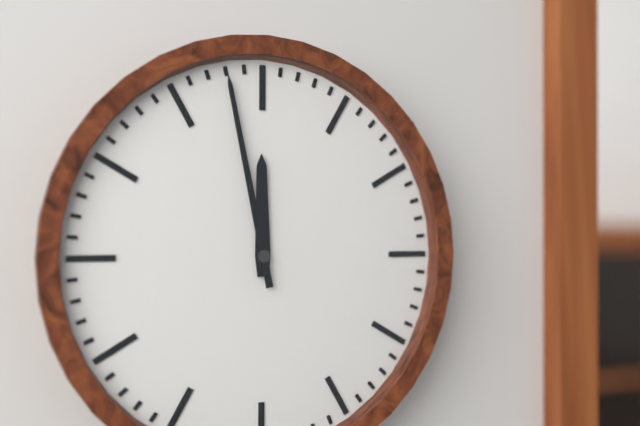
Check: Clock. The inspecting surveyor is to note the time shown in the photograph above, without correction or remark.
11:58
